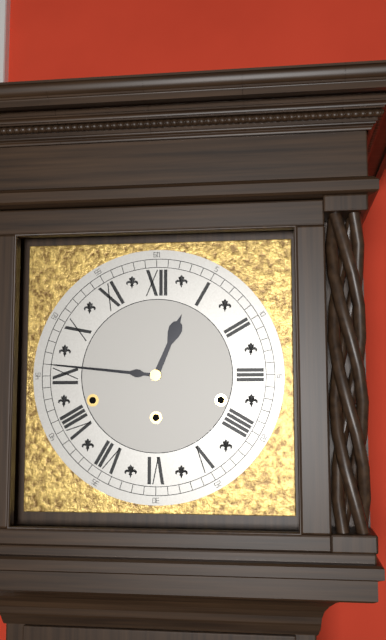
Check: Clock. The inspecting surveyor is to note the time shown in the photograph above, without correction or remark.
12:46
